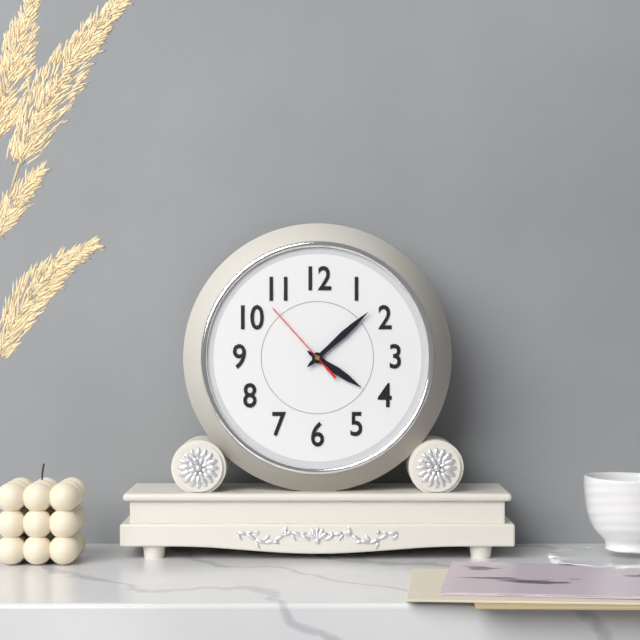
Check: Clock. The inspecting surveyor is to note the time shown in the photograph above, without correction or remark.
4:08:53
